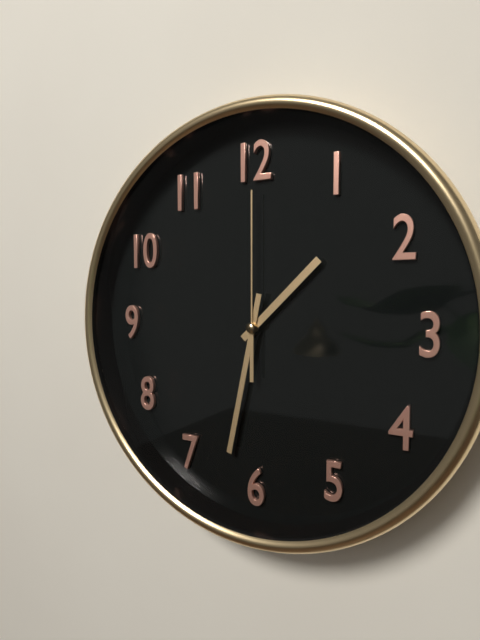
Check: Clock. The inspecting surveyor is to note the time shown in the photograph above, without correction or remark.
1:32:00
